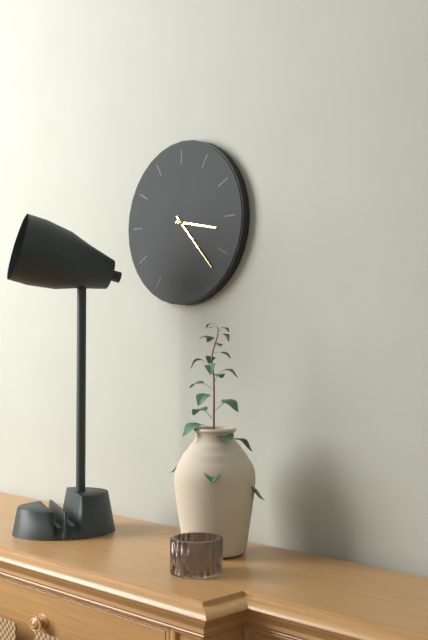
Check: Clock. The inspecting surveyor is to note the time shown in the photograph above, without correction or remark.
3:23
